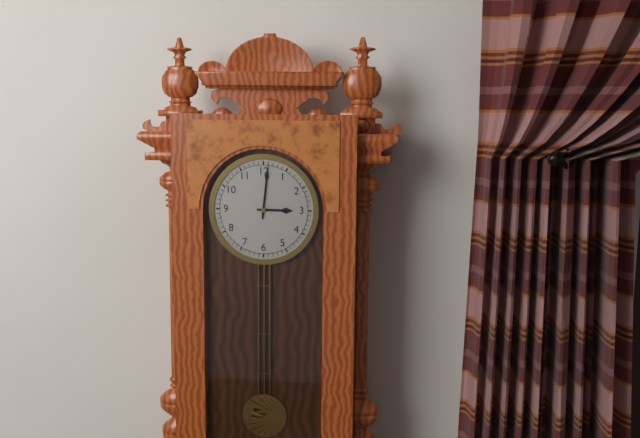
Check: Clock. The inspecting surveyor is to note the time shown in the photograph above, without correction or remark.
3:01
